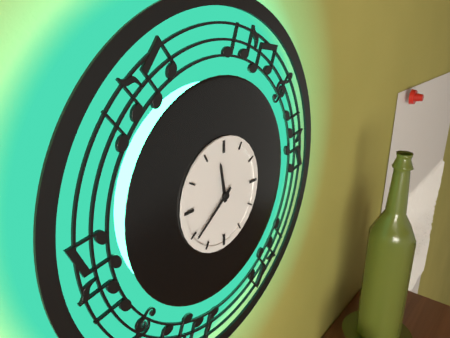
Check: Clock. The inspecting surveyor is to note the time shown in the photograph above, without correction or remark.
11:39
